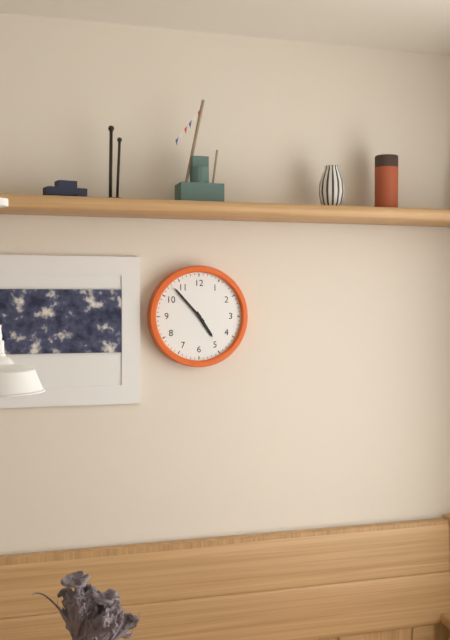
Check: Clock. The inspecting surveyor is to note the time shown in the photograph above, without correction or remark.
4:53
